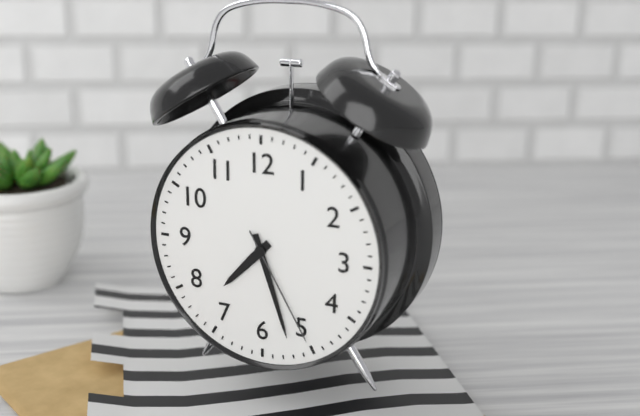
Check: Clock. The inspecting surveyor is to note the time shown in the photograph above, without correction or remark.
7:27:25
